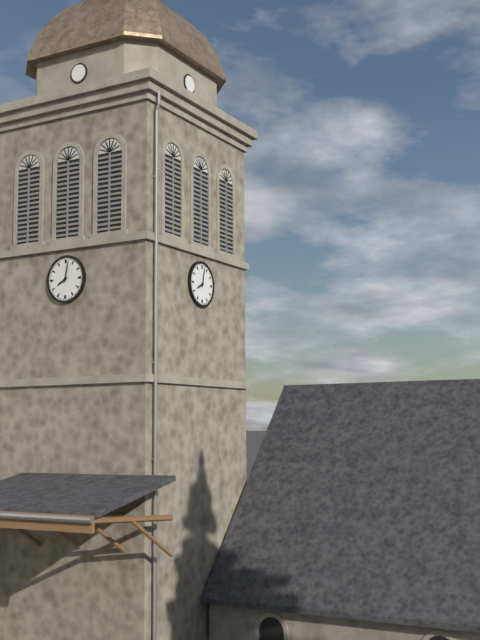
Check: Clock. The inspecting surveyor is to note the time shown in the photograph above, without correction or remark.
8:02
